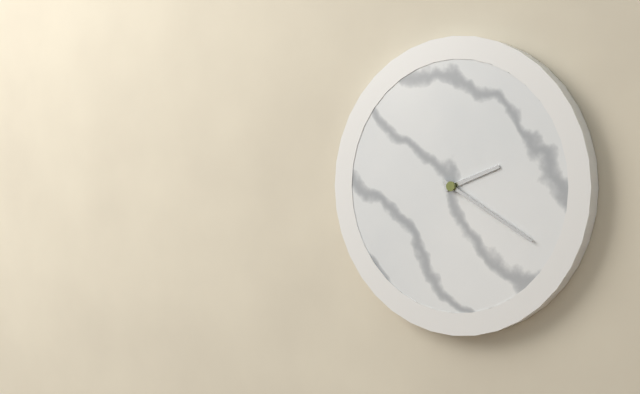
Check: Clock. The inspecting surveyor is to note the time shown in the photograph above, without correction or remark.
2:20
